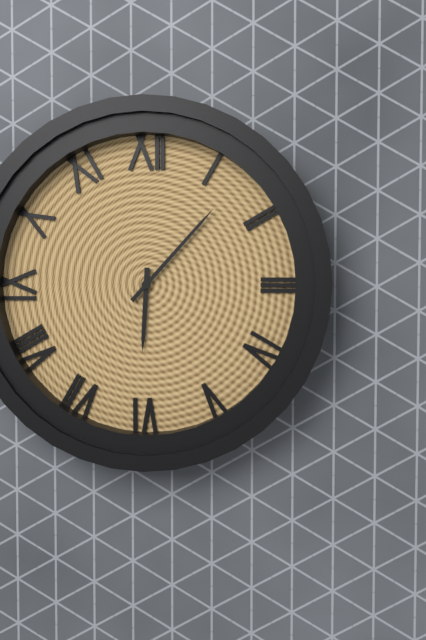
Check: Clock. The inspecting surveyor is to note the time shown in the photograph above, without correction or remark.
6:07
